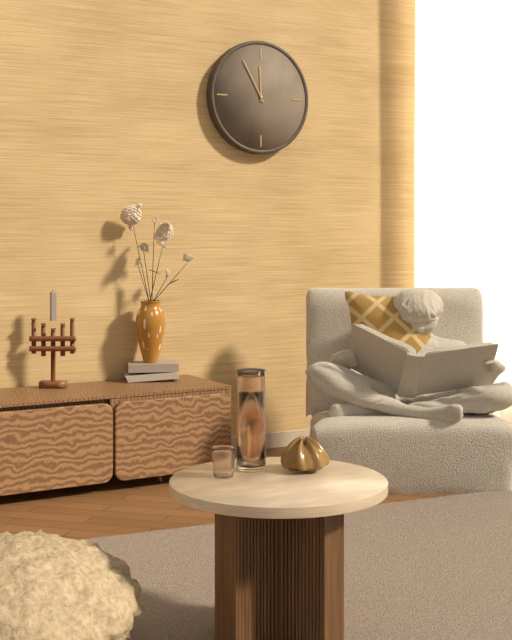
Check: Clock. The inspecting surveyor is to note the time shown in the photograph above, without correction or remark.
11:55
